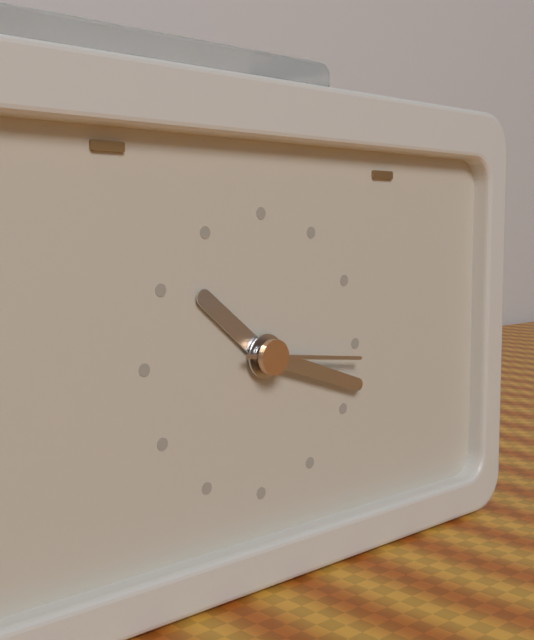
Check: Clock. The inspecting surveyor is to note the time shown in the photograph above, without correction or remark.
10:18:16
